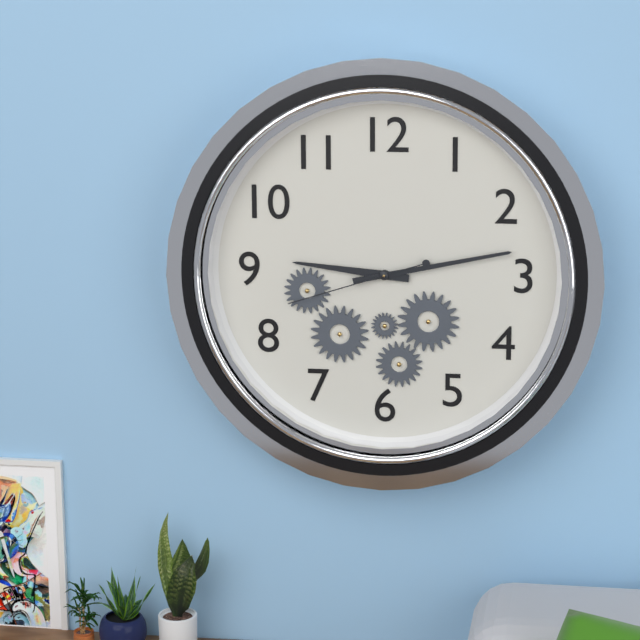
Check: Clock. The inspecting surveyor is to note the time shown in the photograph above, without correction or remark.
9:13:42
